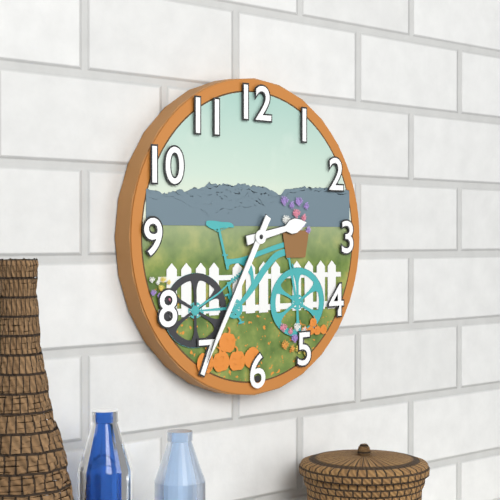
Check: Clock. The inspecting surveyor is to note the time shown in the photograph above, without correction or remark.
2:35
